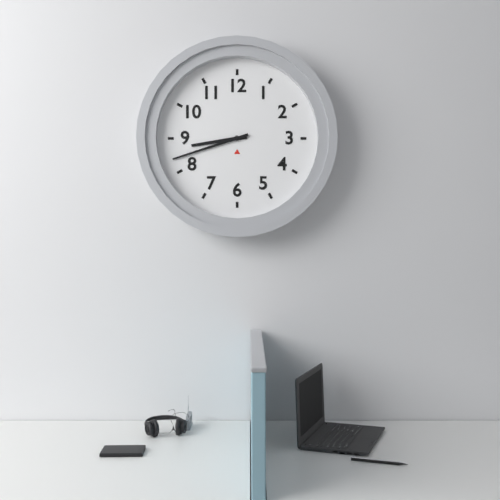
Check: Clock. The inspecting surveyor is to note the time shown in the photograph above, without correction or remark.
8:42
